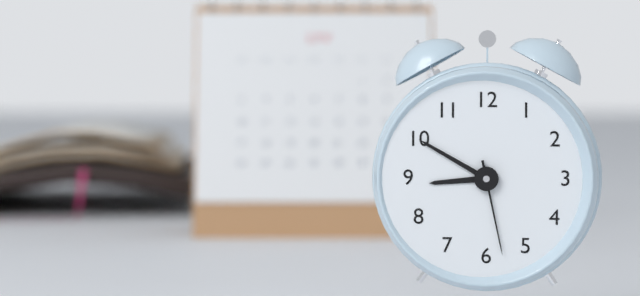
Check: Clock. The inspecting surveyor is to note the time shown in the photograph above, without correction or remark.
8:50:28
